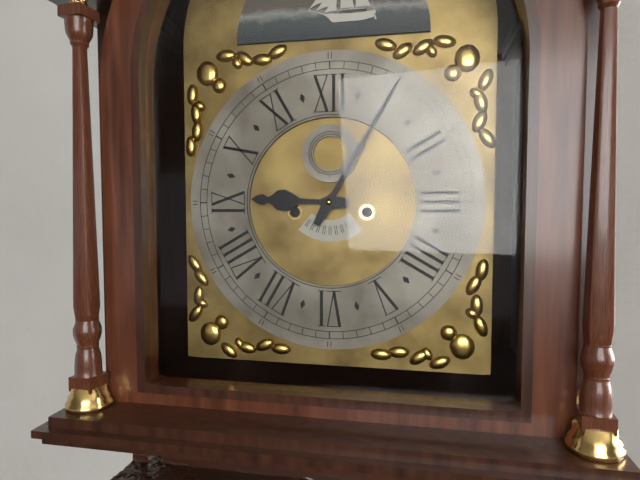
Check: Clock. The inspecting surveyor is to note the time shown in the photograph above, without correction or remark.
9:05
